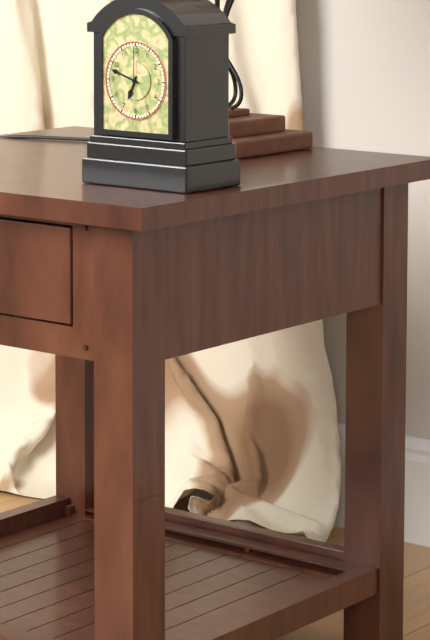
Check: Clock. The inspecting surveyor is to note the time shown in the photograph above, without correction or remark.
6:48
